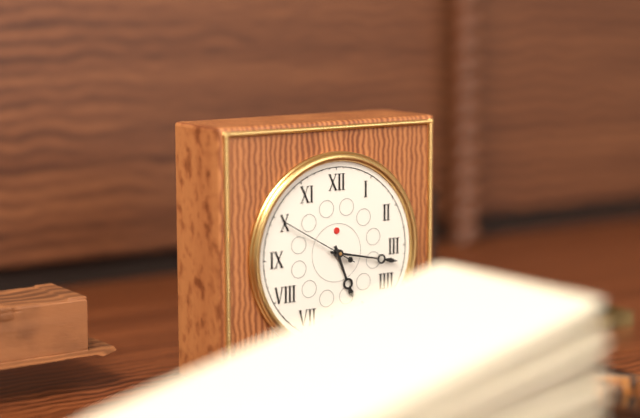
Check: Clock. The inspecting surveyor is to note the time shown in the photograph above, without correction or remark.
5:17:50
